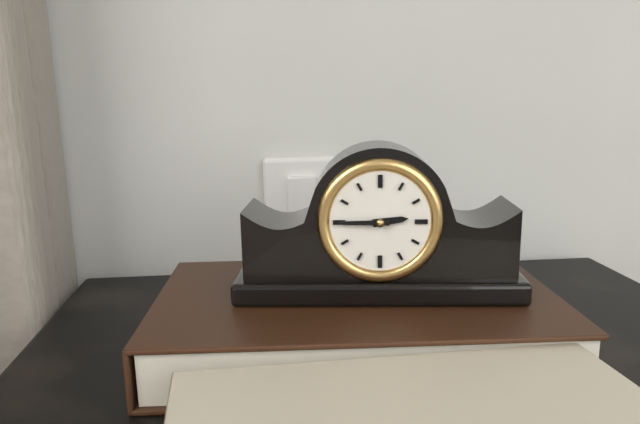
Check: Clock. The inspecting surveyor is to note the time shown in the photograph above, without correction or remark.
2:45
